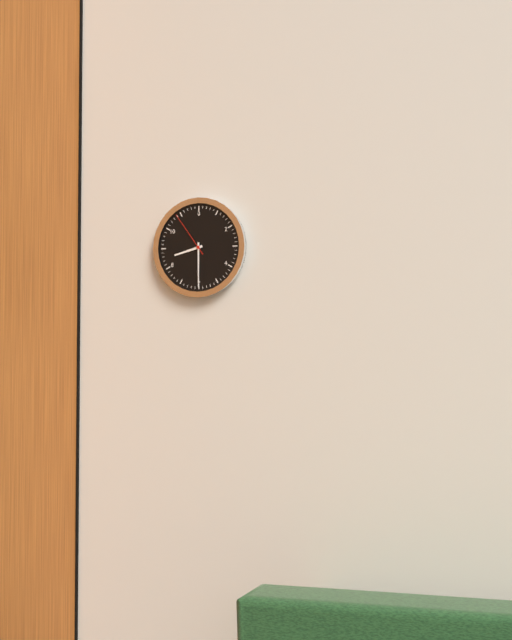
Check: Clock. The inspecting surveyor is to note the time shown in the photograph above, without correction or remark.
8:30
